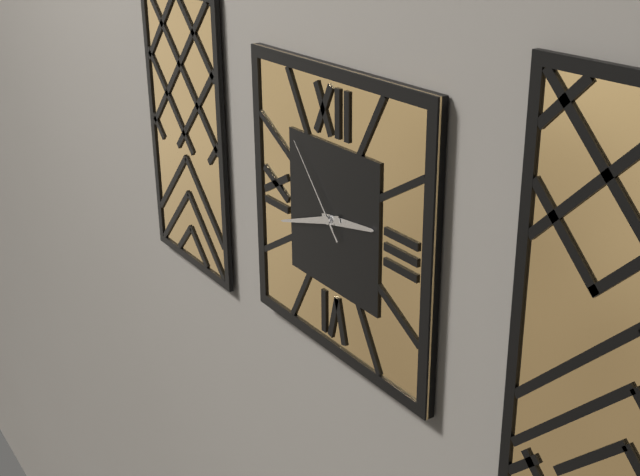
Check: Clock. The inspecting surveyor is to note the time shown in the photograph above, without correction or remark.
2:42:53
